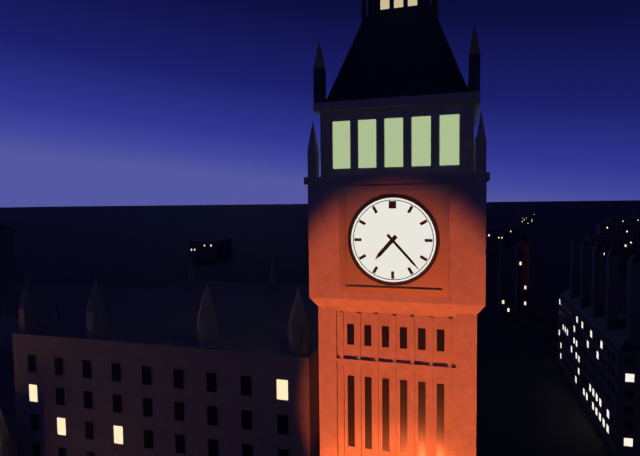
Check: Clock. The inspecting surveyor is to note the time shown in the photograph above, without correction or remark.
7:23
